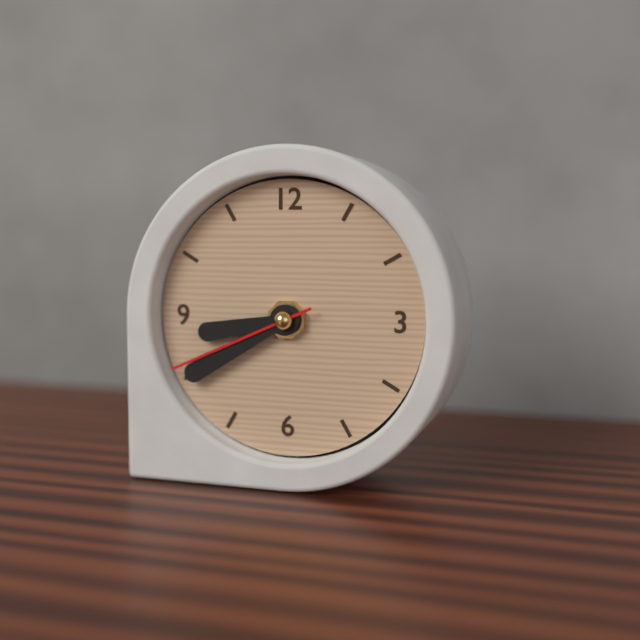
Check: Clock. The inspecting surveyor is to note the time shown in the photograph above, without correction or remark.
8:40:41
